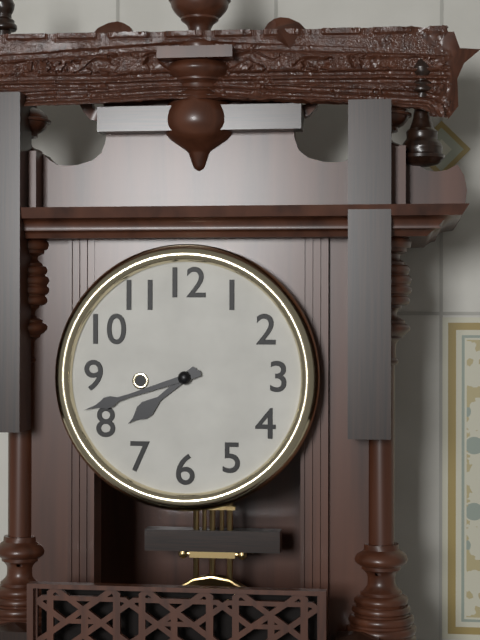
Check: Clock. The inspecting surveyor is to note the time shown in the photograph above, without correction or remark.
7:42
